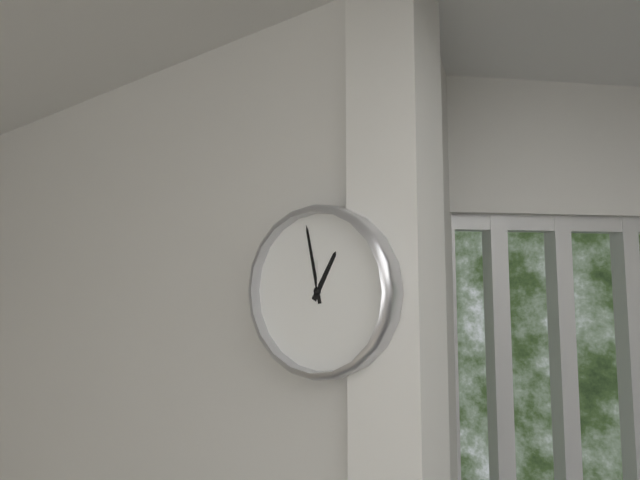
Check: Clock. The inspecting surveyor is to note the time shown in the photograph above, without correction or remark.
12:58
